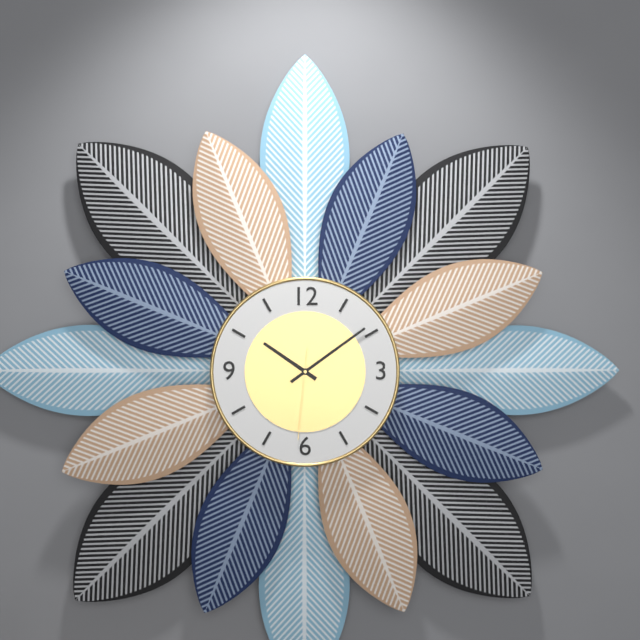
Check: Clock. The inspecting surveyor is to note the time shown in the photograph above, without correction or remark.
10:09:31
